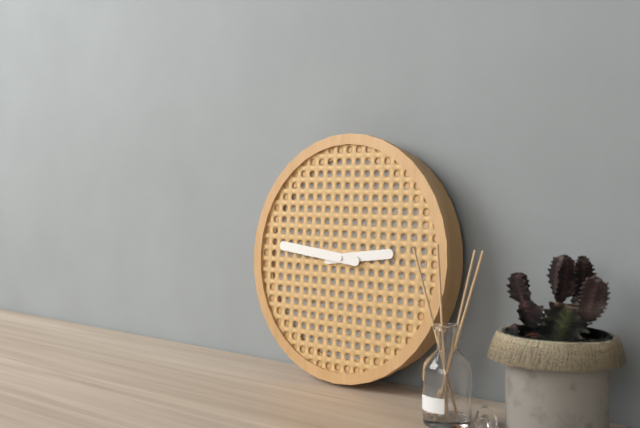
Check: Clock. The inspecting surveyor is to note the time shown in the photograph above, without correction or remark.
2:46
